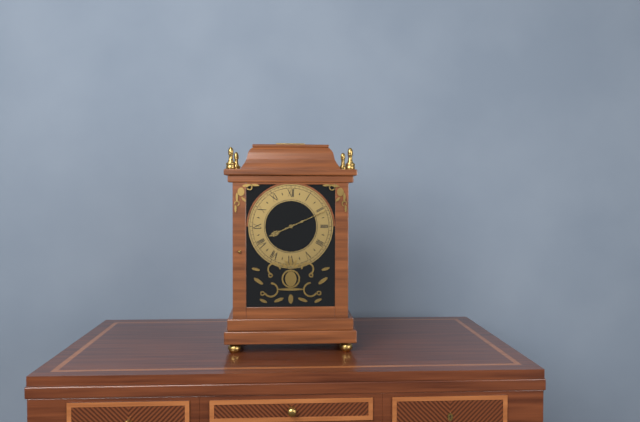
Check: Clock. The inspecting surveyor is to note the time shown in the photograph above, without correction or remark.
8:11
